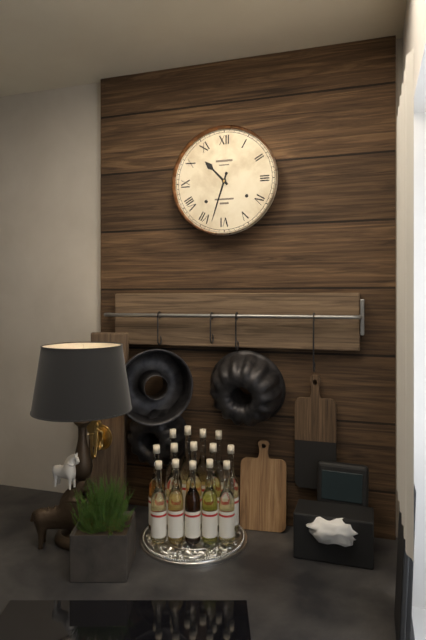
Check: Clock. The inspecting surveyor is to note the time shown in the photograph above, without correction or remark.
10:33
